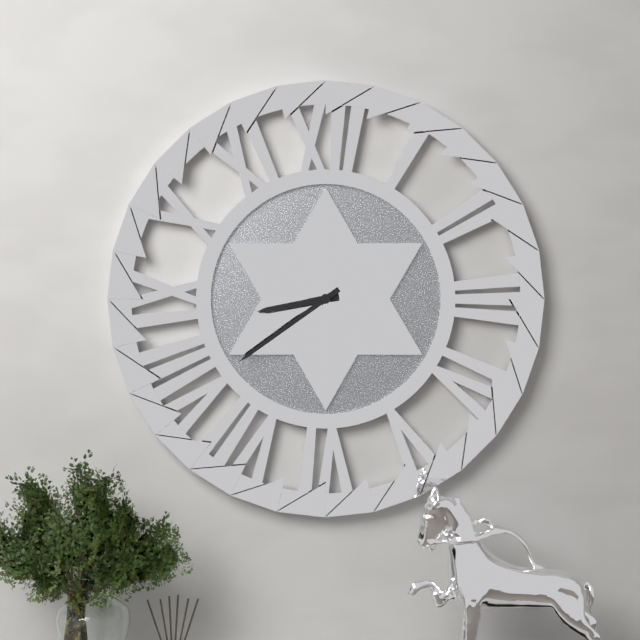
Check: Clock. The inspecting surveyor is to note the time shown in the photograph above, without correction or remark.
8:39
